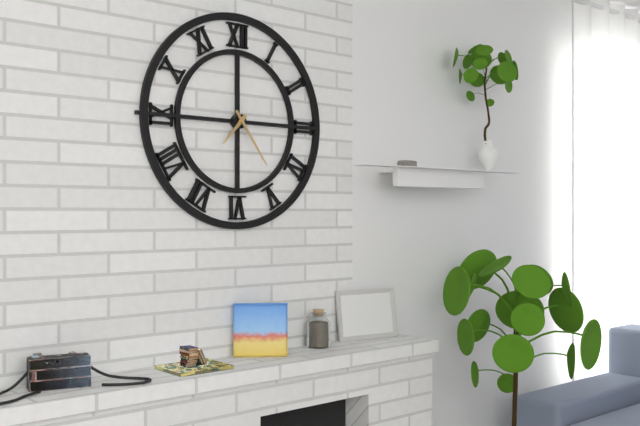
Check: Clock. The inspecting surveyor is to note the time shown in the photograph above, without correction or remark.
7:24
